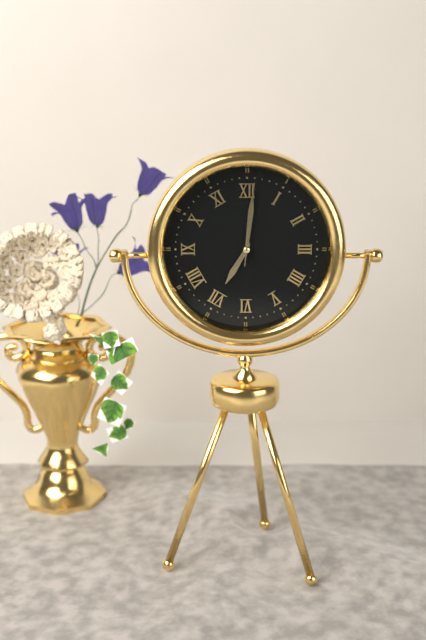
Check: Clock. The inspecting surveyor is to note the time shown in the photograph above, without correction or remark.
7:01:01
